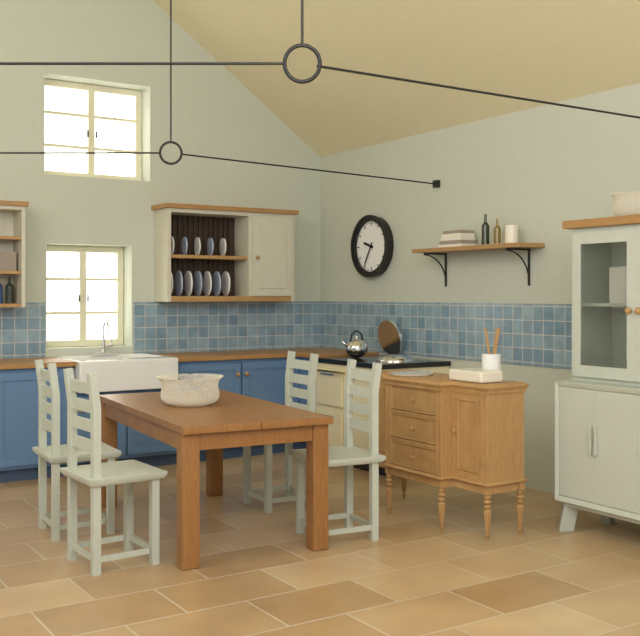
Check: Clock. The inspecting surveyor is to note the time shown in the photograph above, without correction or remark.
9:35
